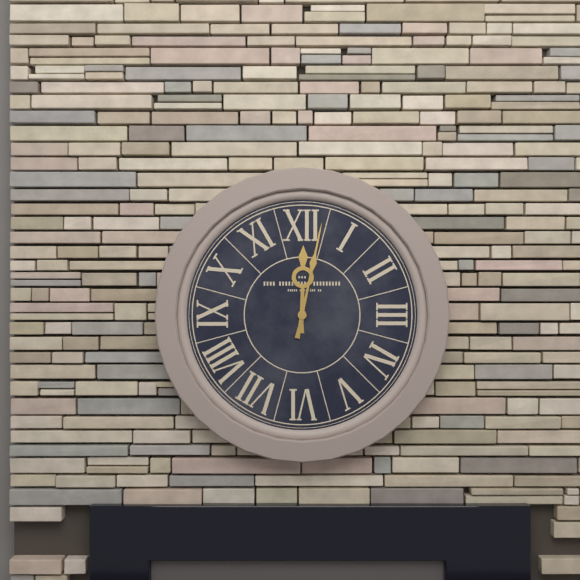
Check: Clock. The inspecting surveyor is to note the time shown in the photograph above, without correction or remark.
12:02
